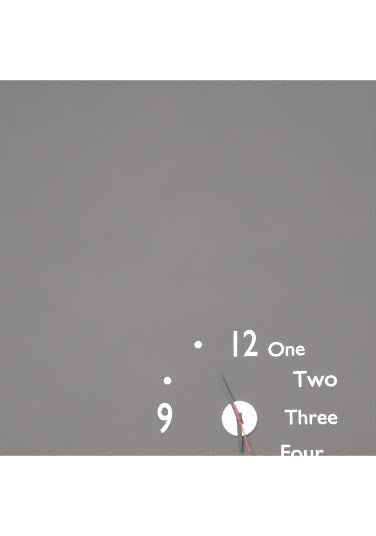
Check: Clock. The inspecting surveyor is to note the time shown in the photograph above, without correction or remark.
5:56:27
